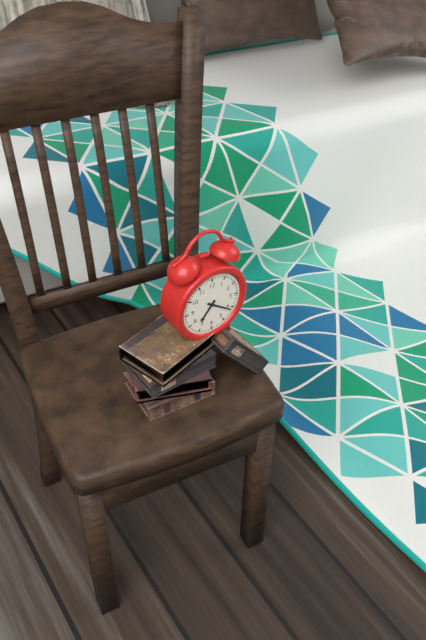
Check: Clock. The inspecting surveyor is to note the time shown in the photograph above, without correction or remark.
7:21
